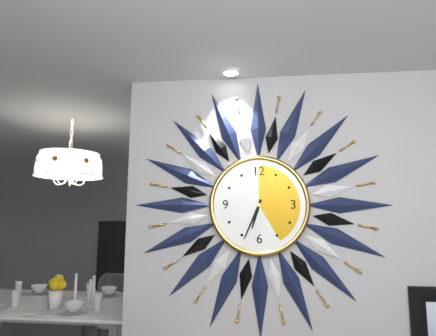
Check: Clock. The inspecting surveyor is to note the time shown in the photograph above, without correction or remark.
6:34
